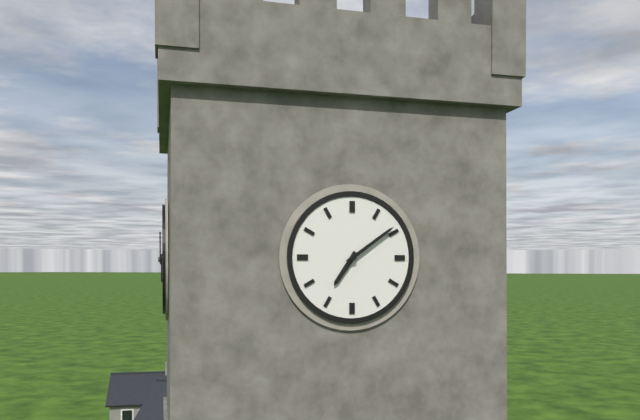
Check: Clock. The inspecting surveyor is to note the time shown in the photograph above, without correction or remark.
7:09
